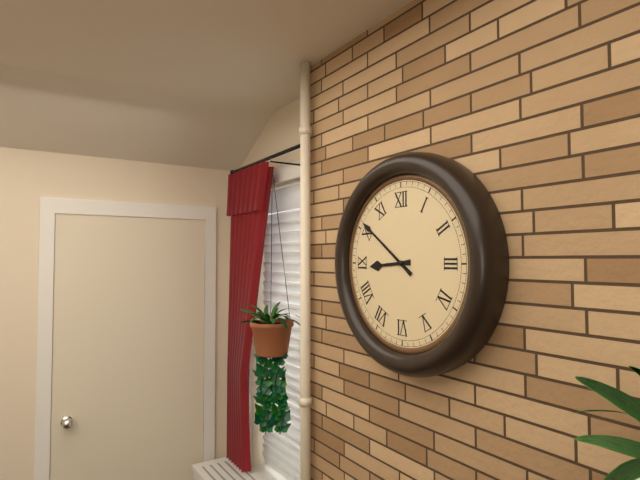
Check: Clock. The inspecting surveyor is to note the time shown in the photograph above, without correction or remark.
8:51
